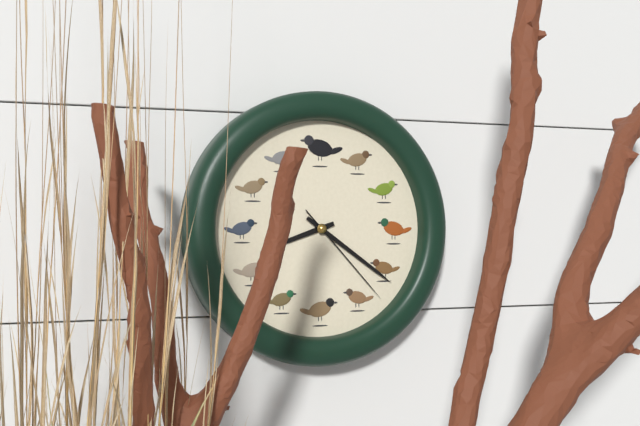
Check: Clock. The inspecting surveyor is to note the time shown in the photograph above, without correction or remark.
8:21:23
